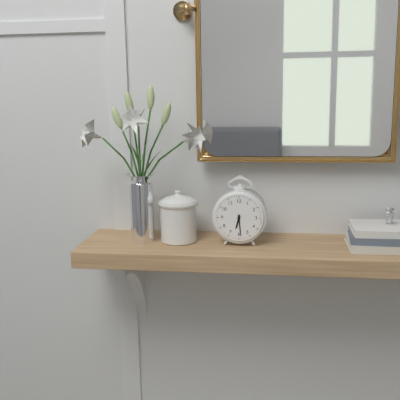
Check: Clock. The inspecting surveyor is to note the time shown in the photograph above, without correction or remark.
6:29
